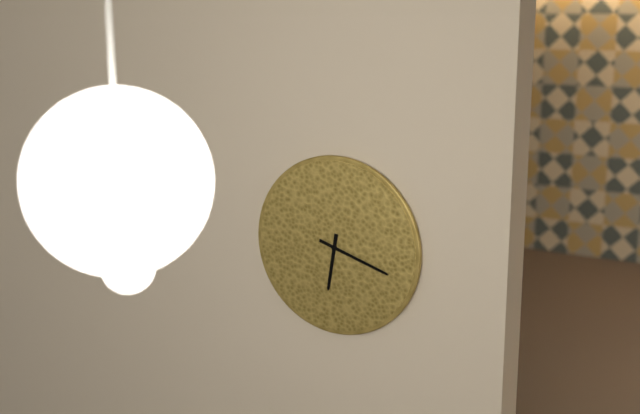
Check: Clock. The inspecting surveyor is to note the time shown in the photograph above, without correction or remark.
6:18
